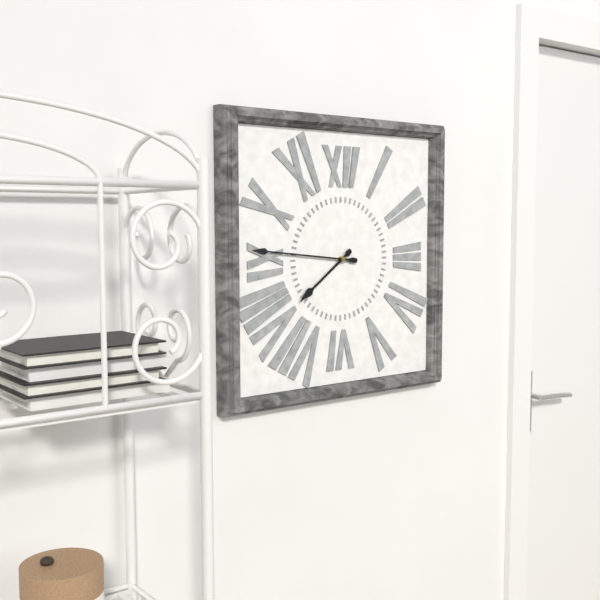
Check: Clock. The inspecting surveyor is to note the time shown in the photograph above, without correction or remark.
7:46
